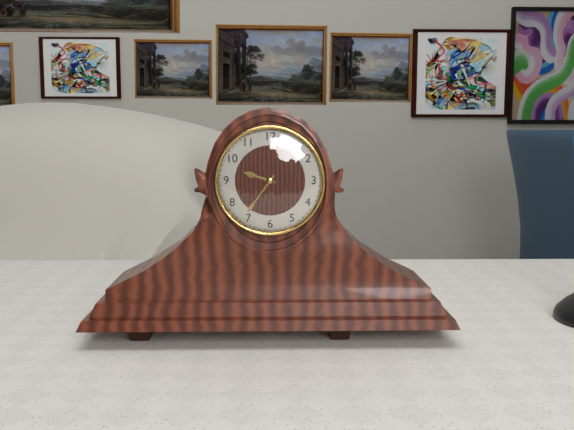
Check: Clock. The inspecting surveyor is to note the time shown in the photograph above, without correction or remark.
9:36
